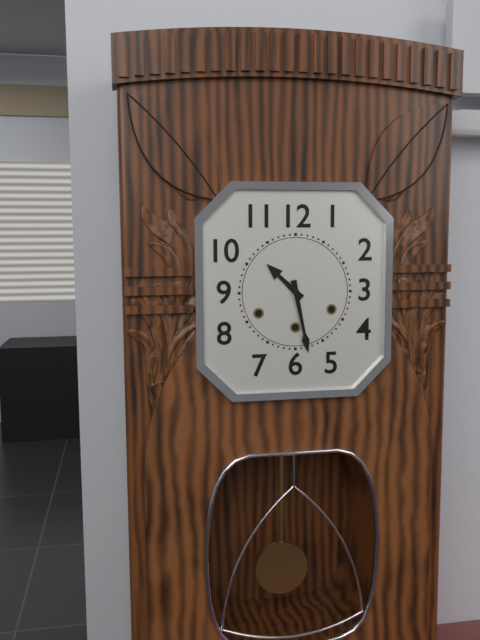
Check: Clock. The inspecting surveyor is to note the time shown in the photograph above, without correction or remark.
10:28
